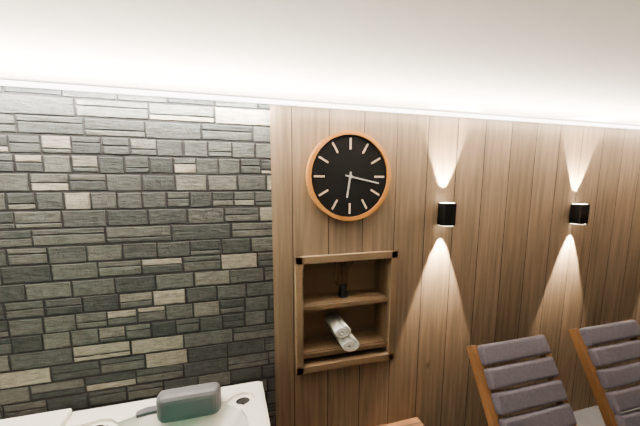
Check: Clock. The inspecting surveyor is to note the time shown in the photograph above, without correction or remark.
6:17
